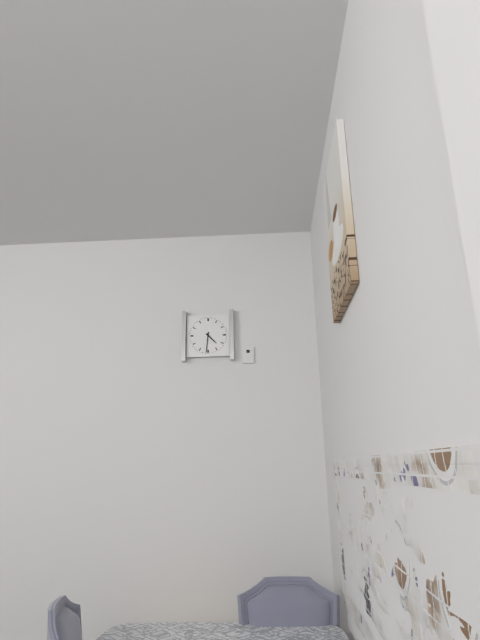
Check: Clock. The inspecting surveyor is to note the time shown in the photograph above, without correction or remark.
4:31
